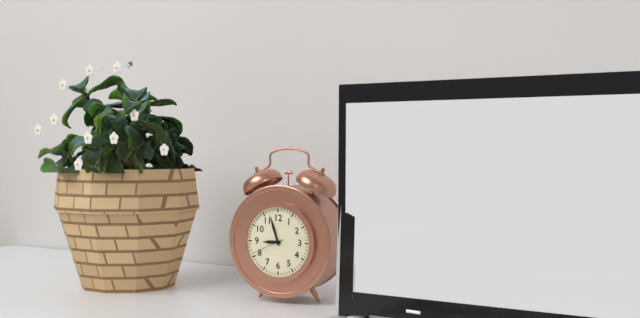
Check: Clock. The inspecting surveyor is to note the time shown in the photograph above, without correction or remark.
8:57
